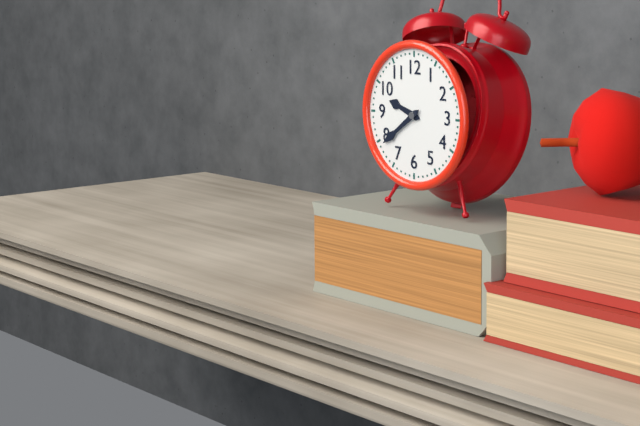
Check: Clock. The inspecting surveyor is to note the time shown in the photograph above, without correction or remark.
9:39
